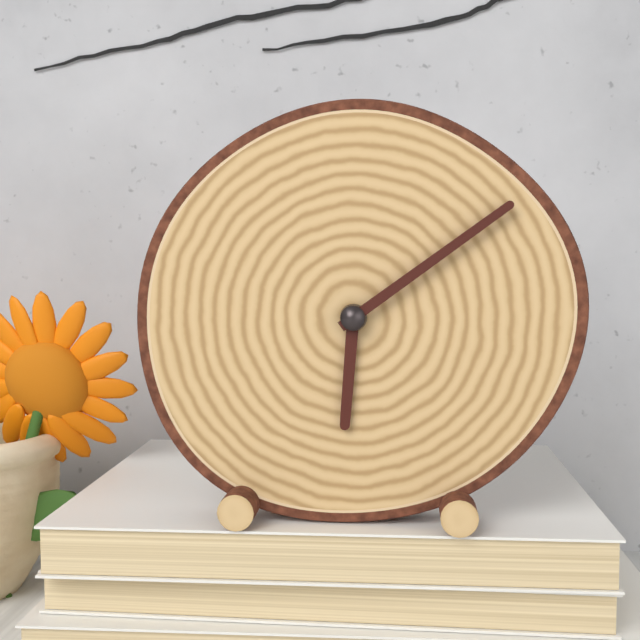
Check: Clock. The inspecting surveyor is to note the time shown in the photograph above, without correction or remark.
6:09
